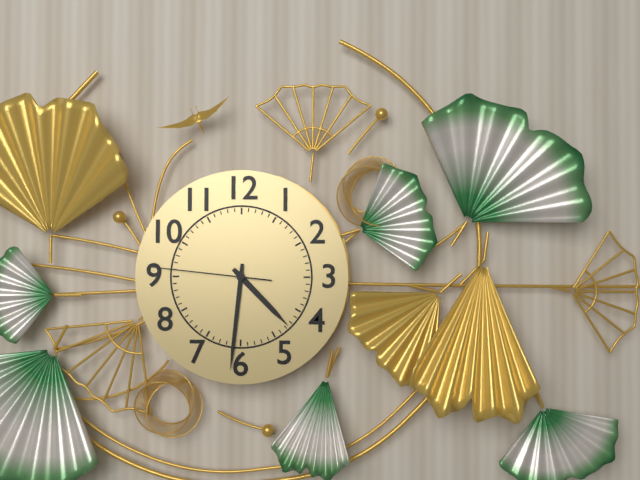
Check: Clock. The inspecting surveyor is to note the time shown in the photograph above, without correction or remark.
4:31:46
